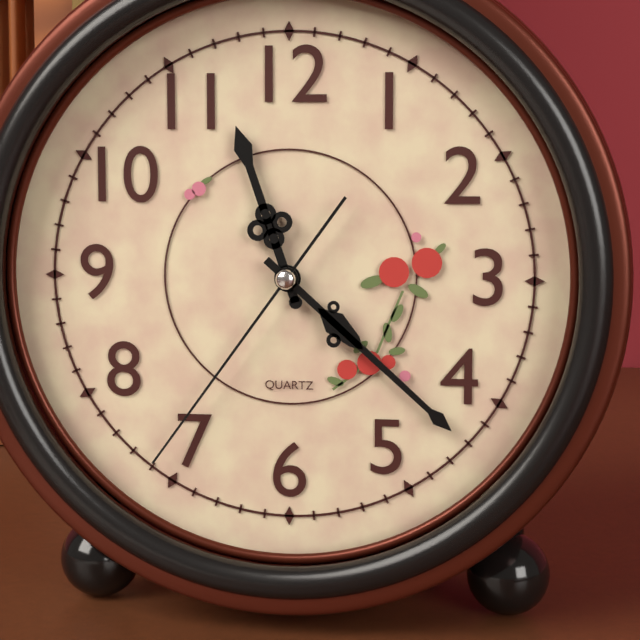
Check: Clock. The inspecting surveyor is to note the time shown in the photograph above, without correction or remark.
11:22:36
